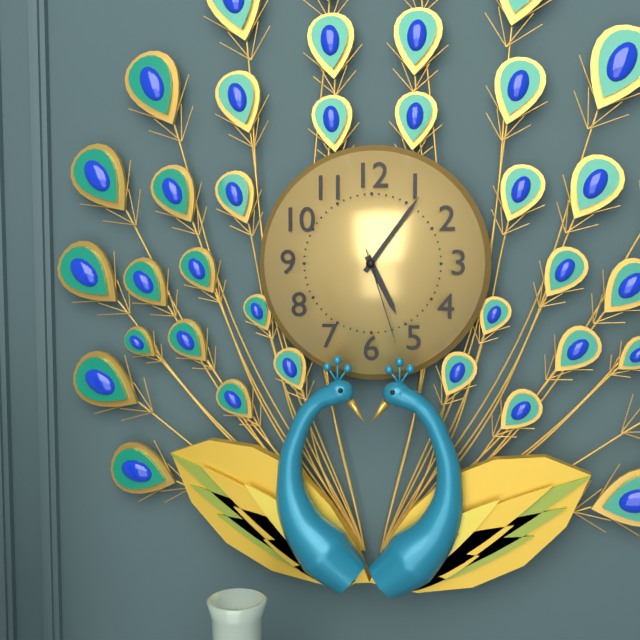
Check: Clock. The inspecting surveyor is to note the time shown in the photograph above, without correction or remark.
5:06:27
